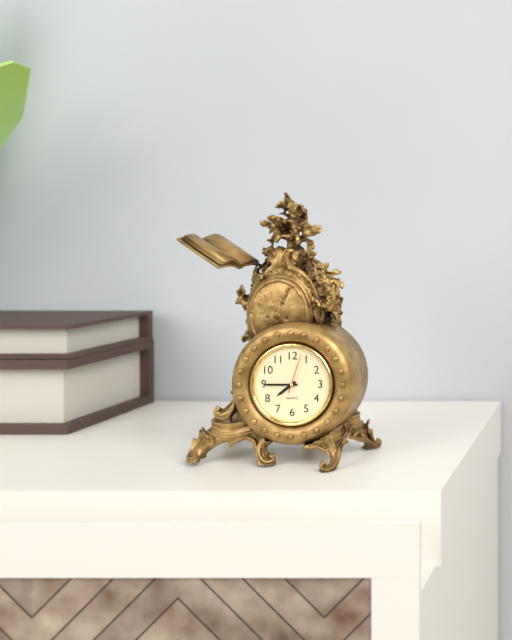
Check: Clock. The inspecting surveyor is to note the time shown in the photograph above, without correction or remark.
7:45
